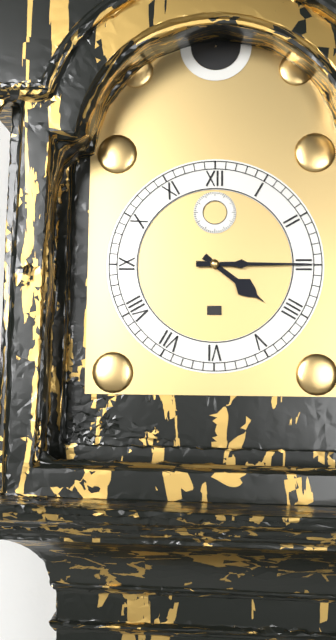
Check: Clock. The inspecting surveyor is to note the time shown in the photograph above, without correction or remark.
4:15
